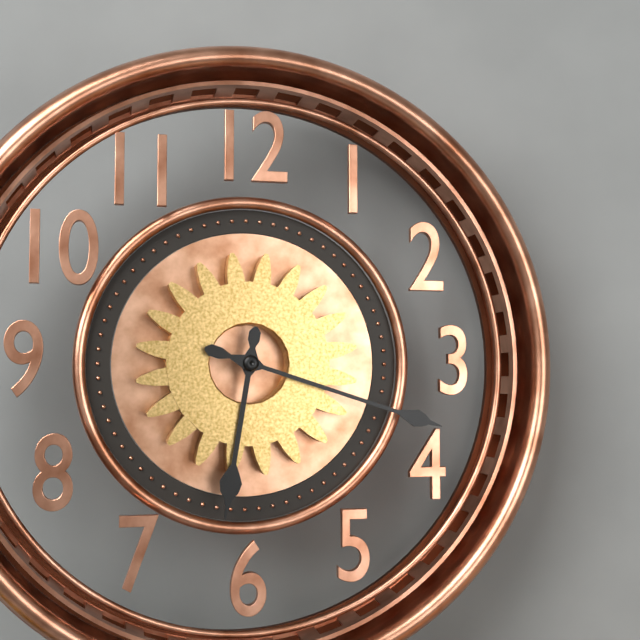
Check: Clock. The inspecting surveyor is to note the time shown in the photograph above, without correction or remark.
6:18
